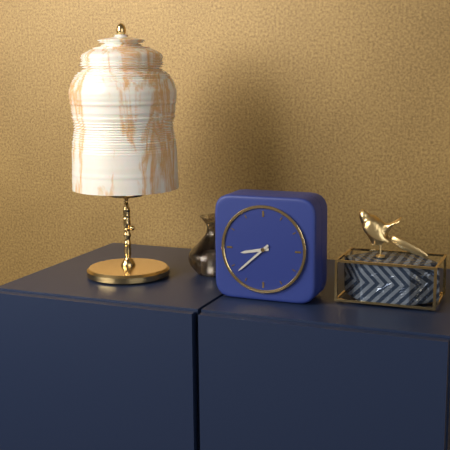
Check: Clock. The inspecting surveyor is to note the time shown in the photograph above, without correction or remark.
8:38
